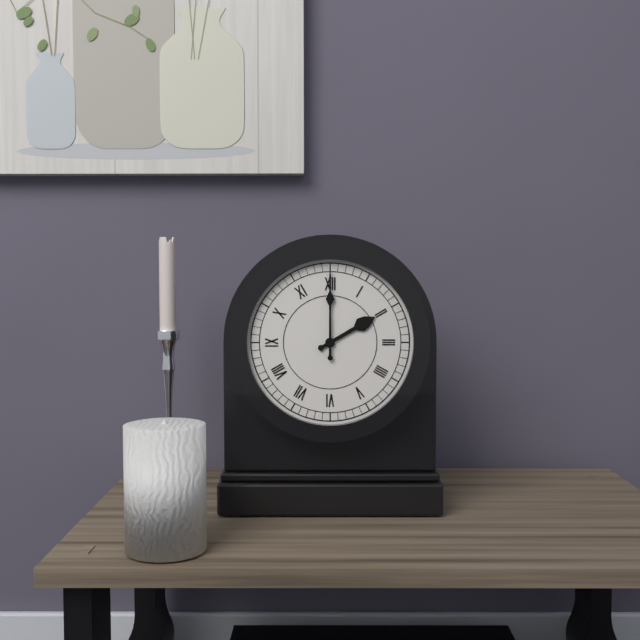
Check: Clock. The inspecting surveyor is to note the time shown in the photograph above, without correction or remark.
2:00
